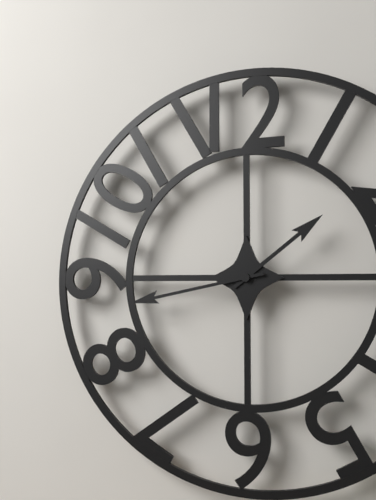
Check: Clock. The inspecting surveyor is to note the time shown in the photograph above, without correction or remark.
1:43
